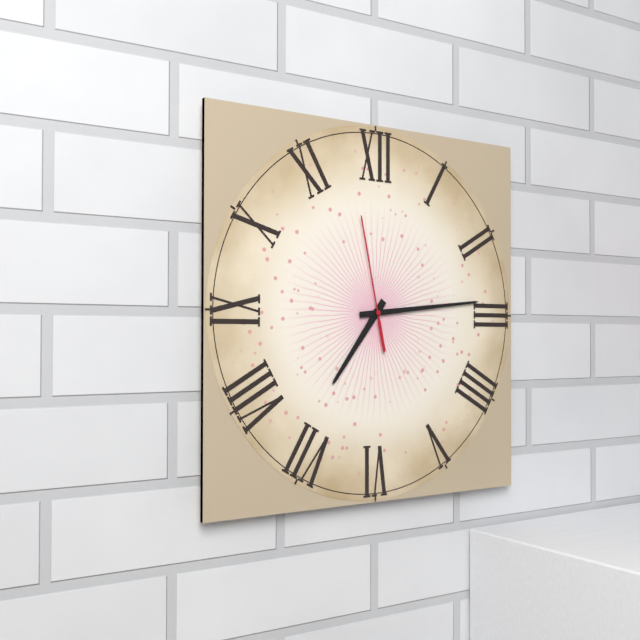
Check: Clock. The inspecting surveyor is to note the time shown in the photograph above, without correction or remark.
7:14:58
